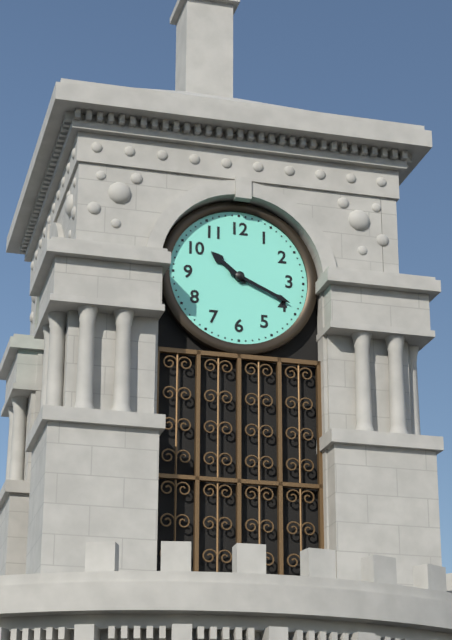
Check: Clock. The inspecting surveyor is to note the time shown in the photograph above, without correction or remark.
10:19
